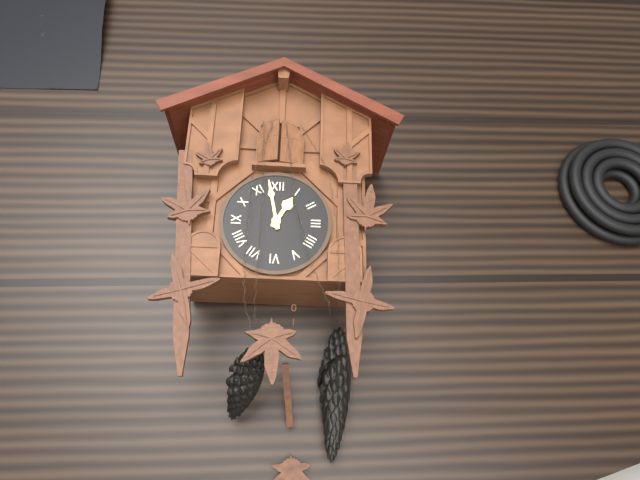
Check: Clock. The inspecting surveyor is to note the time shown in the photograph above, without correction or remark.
12:58
